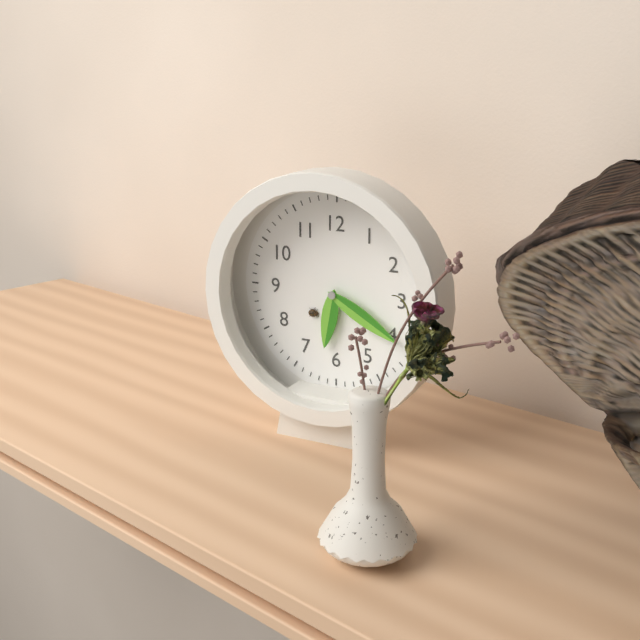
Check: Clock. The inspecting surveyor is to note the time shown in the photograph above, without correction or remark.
6:20
